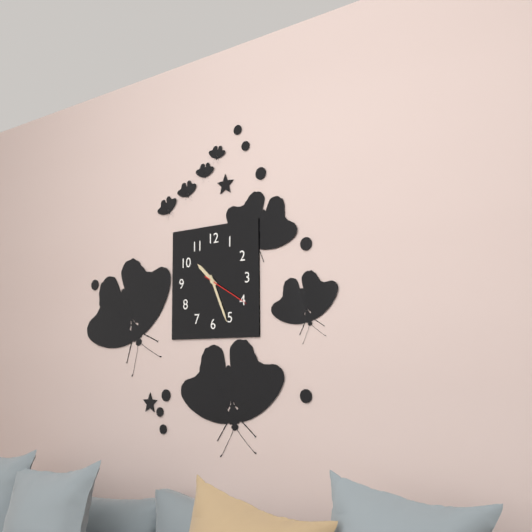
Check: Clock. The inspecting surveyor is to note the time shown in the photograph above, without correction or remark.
10:26:20
